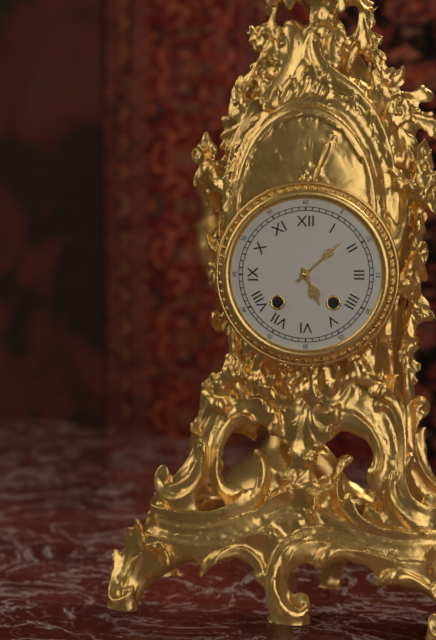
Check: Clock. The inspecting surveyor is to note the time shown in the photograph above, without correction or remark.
5:08
